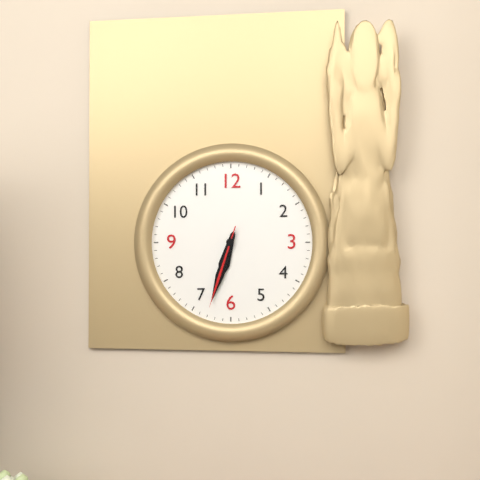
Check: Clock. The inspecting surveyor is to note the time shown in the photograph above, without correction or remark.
6:33:33
